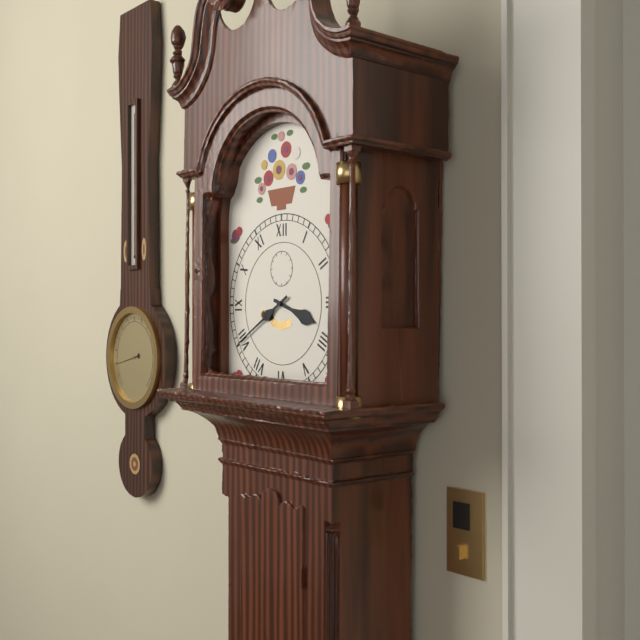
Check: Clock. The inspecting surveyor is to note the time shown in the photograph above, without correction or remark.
3:40
